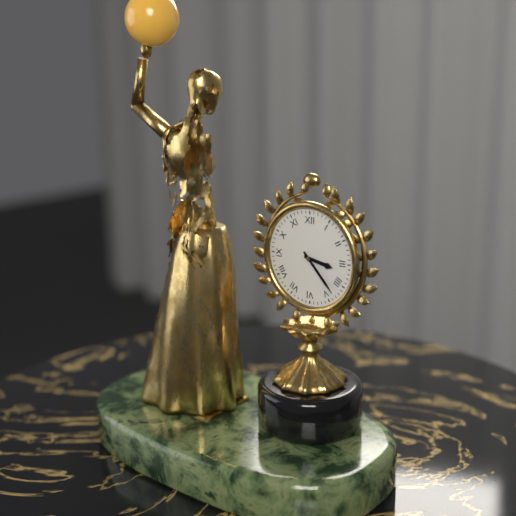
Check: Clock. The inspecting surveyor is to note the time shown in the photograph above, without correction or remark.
3:23
